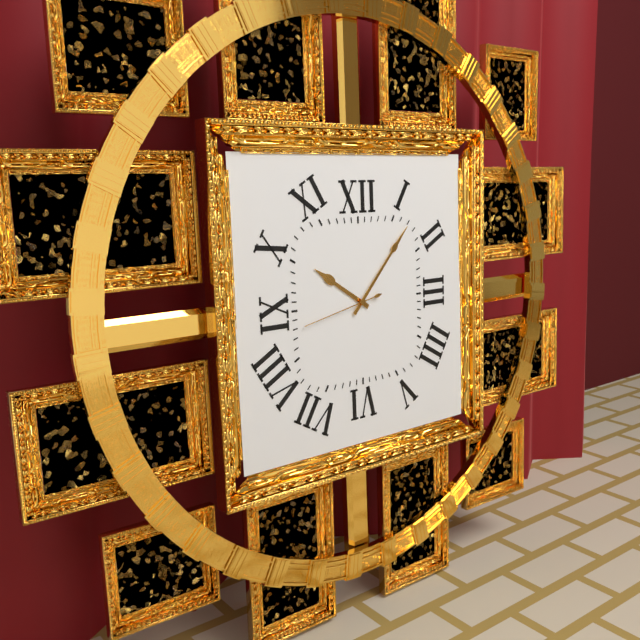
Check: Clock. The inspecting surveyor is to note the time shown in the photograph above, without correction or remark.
10:07:43
